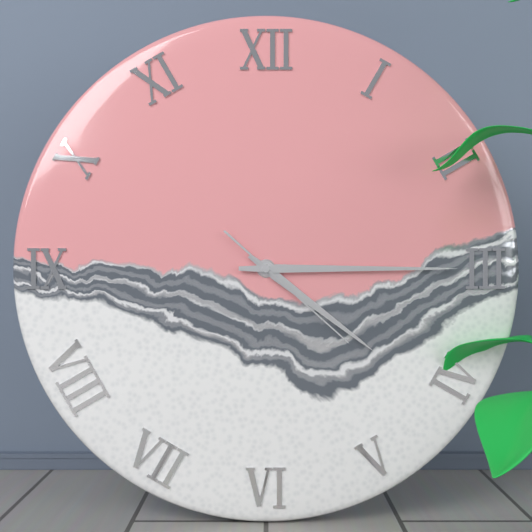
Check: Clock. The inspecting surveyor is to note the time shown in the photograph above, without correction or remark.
4:15:22
